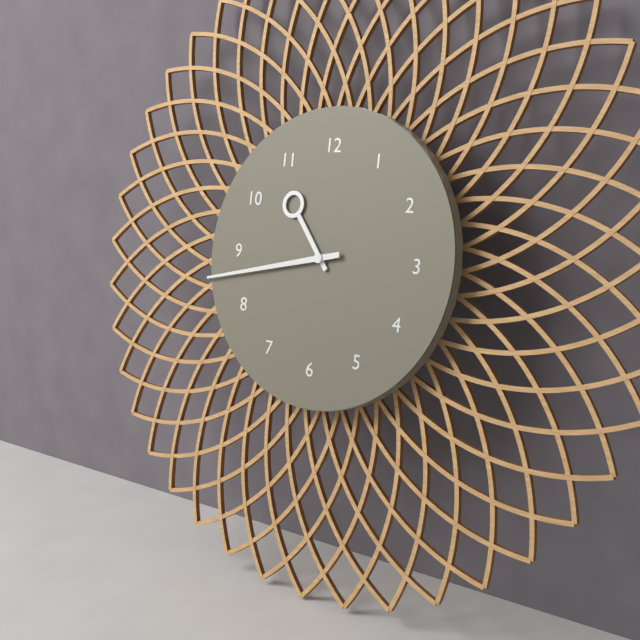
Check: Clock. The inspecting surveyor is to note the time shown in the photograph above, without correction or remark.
10:43
